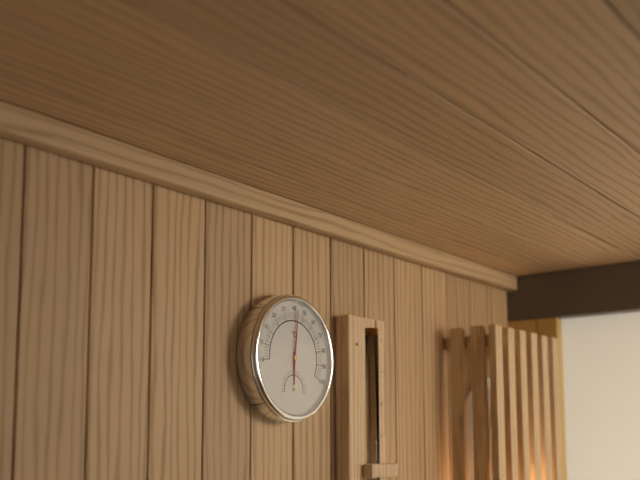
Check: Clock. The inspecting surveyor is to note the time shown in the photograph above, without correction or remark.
6:01
